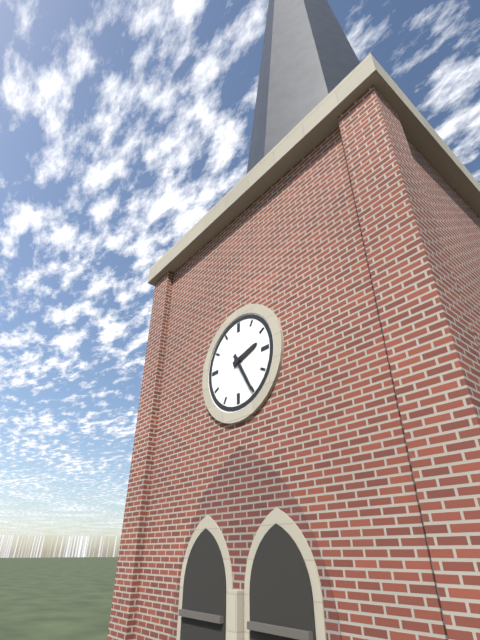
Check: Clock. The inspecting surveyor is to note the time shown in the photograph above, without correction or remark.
2:25
